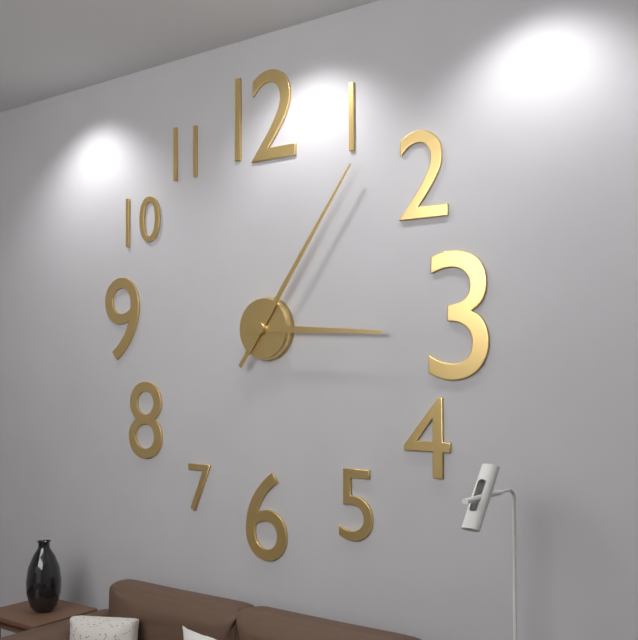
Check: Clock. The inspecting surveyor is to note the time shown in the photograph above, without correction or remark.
3:06
